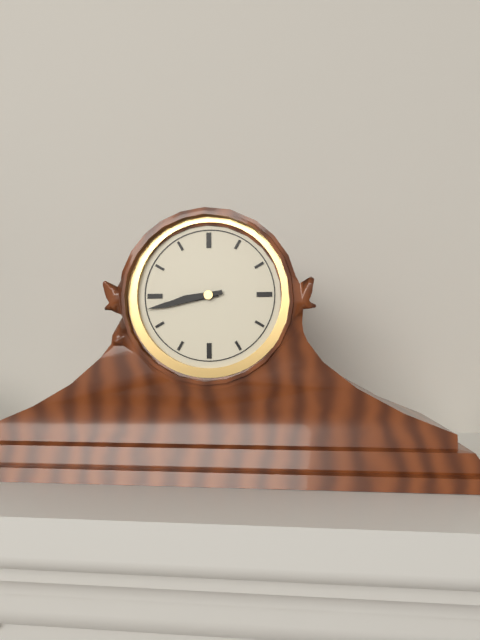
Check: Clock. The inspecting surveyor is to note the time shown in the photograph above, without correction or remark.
8:43
